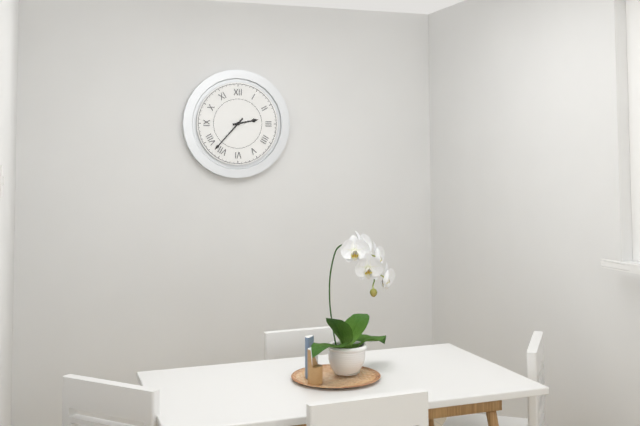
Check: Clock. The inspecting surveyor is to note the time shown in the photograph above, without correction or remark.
2:37
